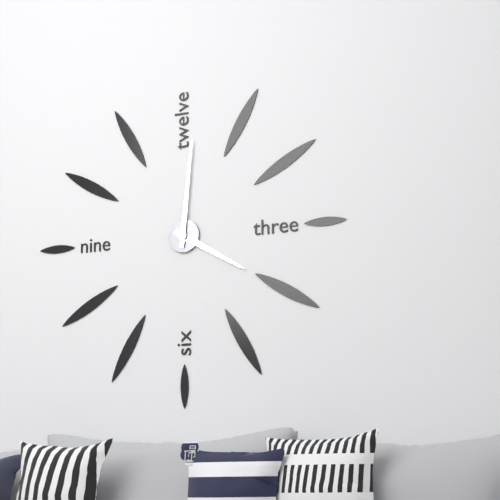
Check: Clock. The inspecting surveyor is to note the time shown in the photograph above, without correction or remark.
4:01
